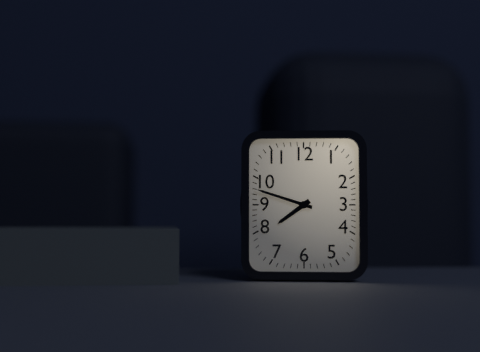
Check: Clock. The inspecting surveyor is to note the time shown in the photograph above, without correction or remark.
7:48
